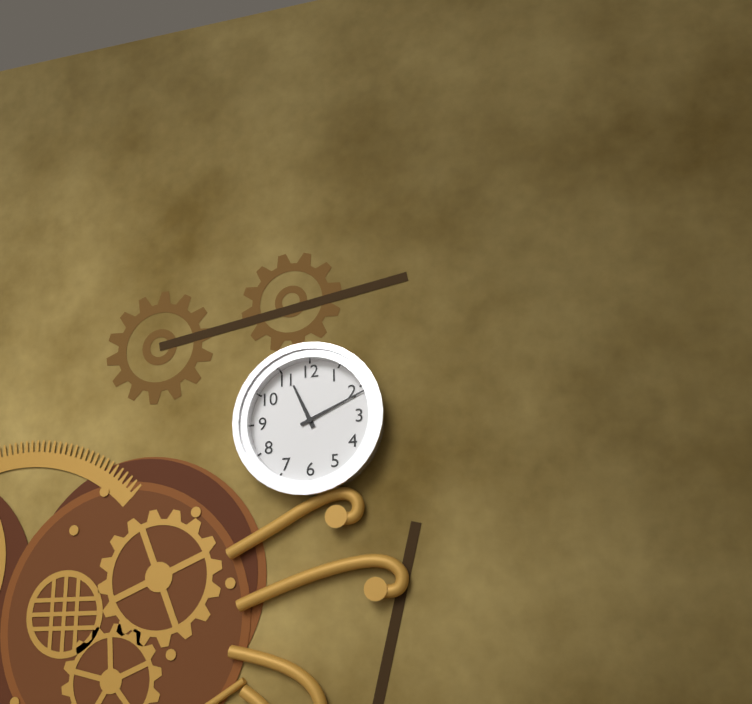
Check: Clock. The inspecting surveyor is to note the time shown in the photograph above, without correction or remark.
11:11
